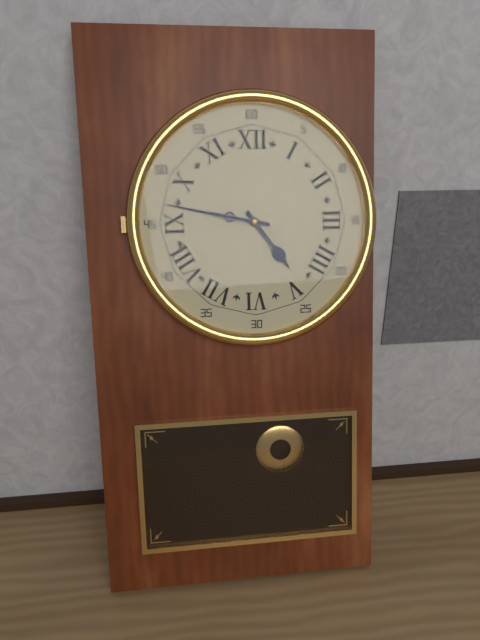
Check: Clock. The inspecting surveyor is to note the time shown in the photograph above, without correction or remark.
4:47
